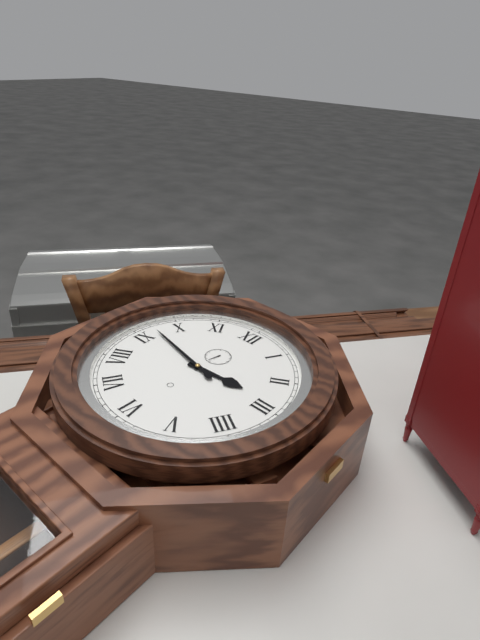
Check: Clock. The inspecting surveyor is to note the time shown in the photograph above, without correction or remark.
2:47
